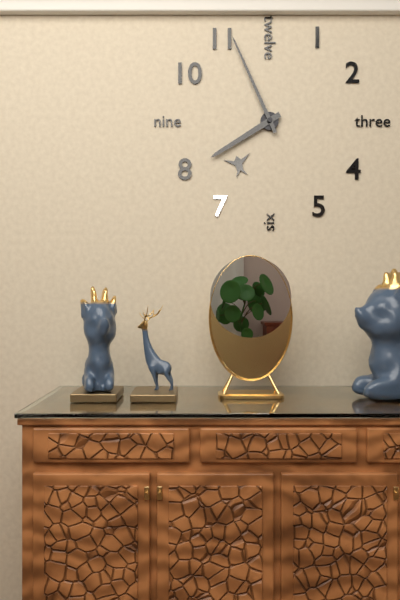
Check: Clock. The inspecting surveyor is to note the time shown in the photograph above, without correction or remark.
7:56
